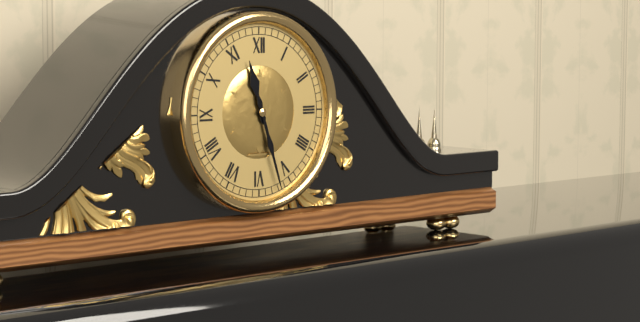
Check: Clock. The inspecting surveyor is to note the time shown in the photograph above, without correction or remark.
11:27
